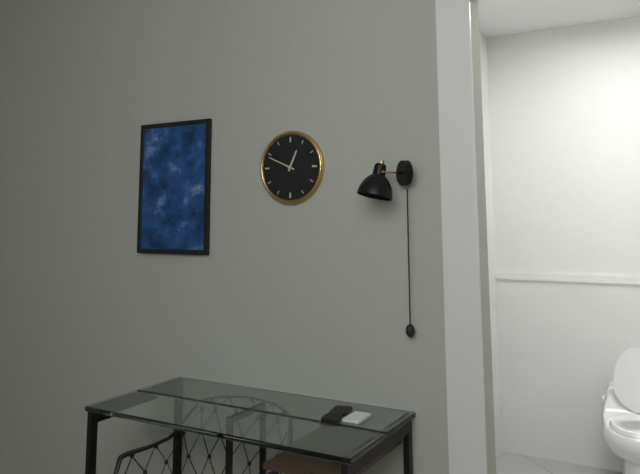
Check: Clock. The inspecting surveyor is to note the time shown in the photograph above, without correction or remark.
12:49
